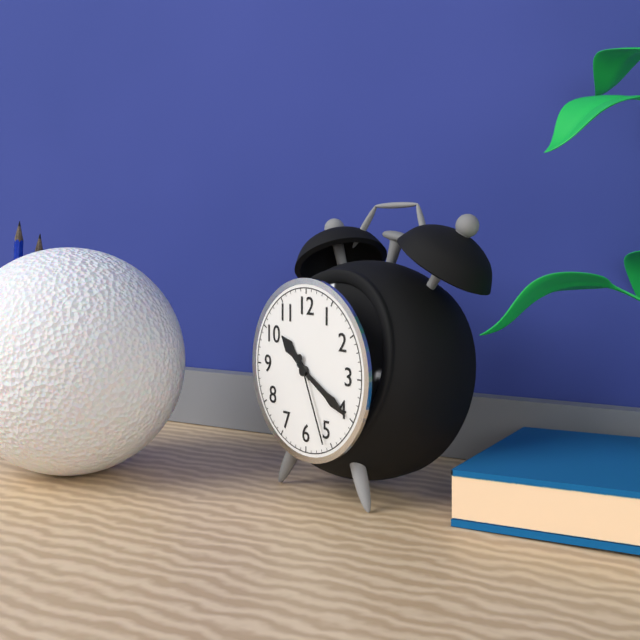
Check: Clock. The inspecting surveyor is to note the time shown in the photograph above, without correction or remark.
10:20:26
